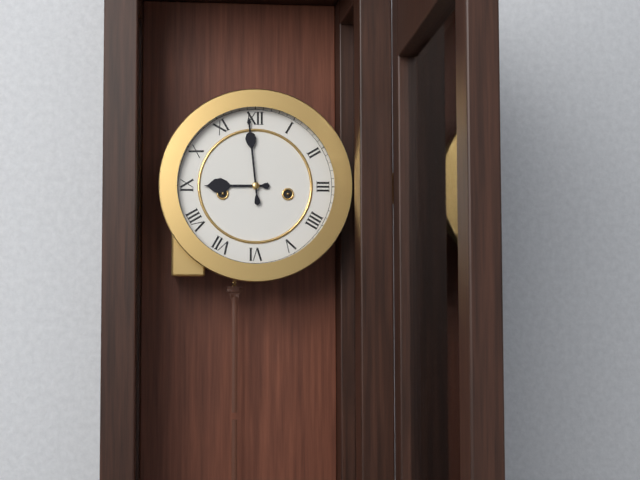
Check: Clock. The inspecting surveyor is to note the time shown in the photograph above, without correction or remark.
8:59
